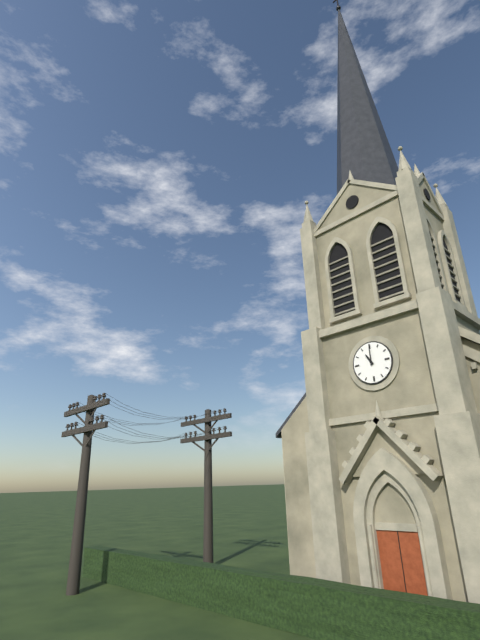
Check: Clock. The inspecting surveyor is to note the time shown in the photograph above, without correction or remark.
11:00
